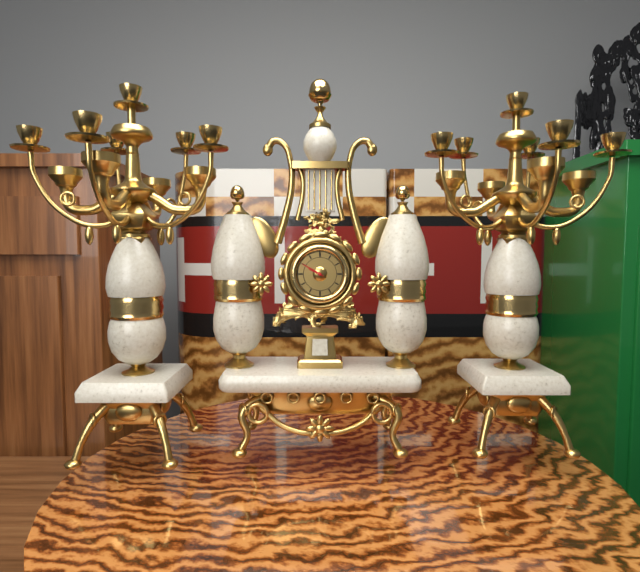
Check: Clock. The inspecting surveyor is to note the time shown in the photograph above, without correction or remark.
9:50
